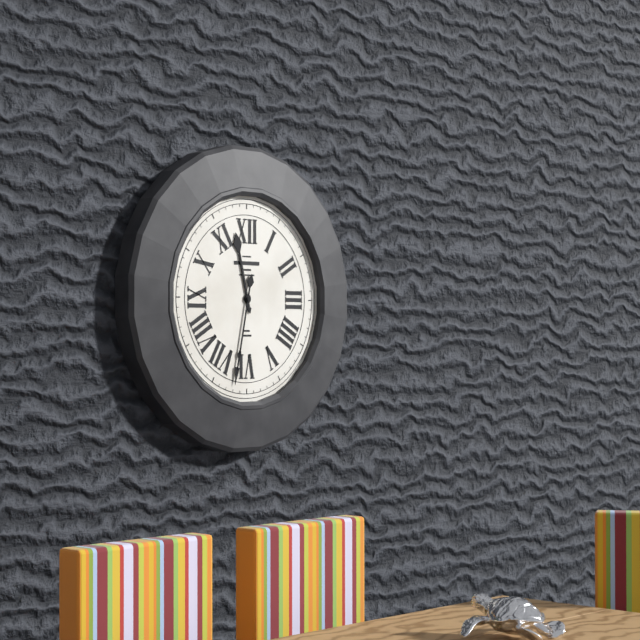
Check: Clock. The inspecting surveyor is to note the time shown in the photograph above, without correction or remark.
11:32
